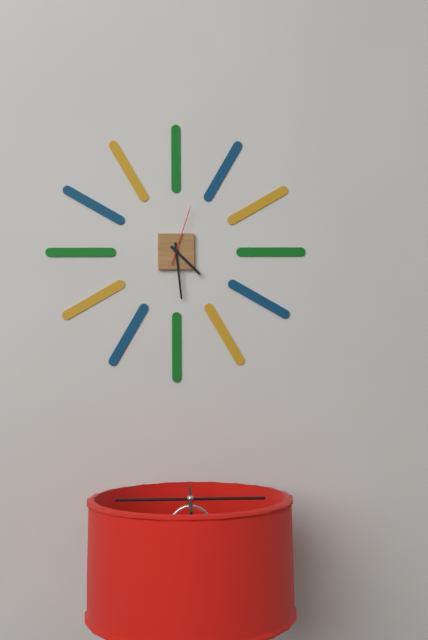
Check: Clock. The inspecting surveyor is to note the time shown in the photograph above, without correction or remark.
4:29:03
